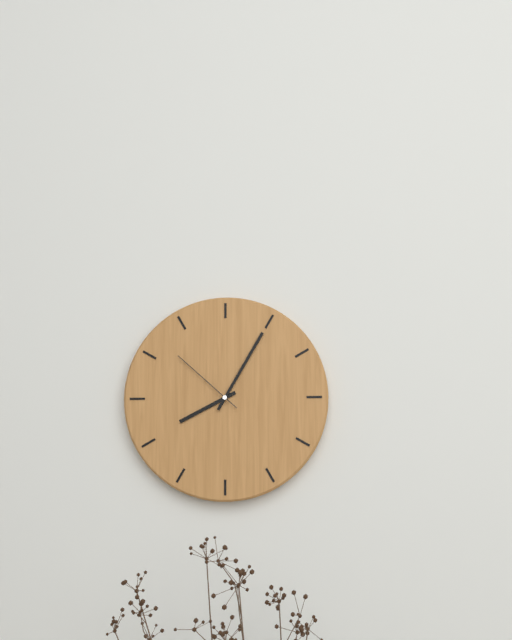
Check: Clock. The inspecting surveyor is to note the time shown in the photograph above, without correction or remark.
8:05:52
